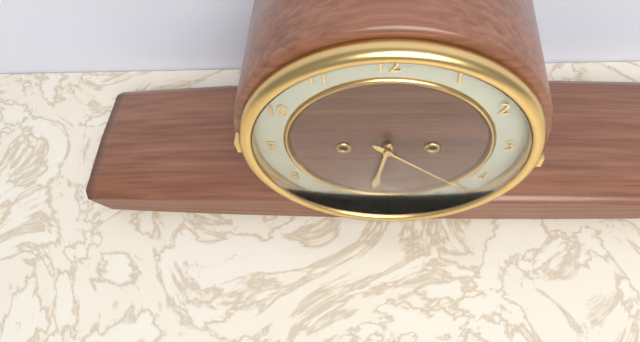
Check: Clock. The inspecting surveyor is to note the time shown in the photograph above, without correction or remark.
6:22
